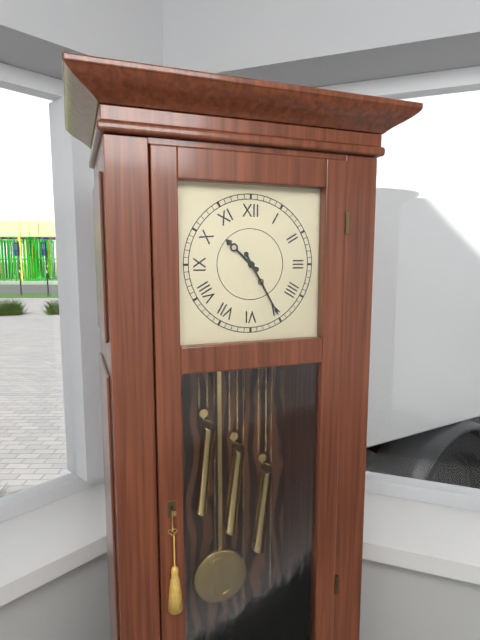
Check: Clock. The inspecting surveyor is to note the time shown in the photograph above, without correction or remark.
10:25
